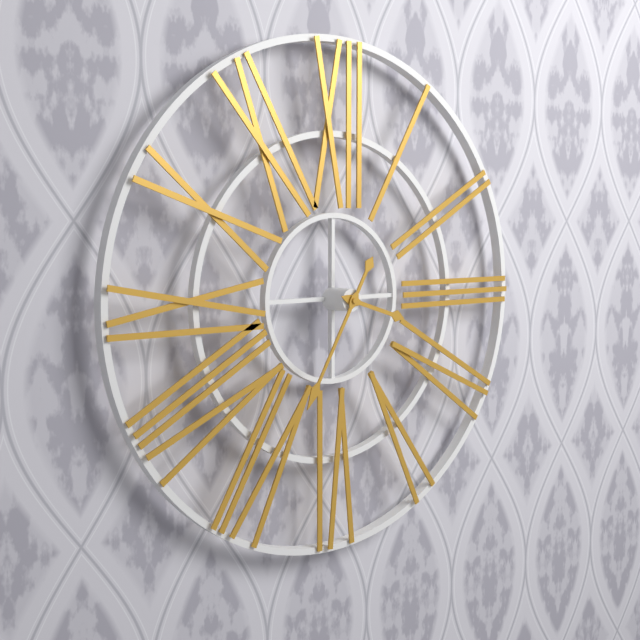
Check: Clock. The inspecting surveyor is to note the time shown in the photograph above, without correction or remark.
3:35
